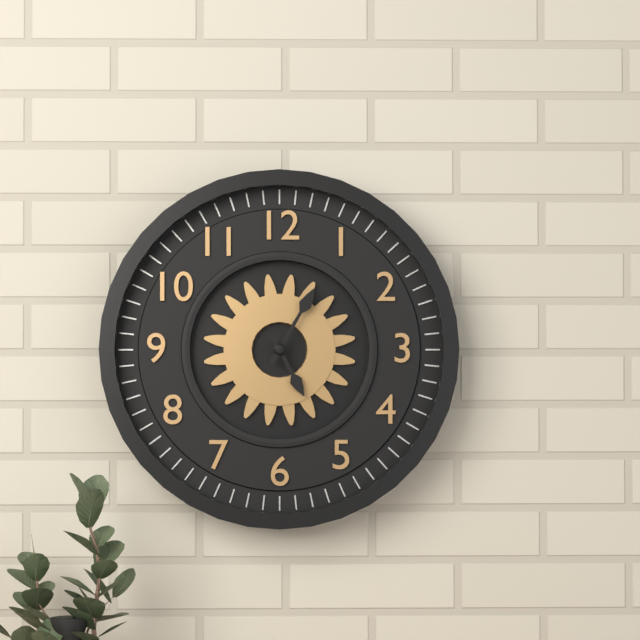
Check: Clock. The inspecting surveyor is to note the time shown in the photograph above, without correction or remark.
5:05
